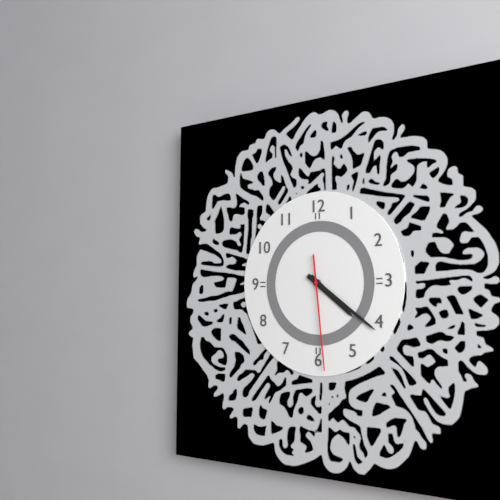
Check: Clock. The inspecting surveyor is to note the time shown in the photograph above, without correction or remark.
4:21:29
